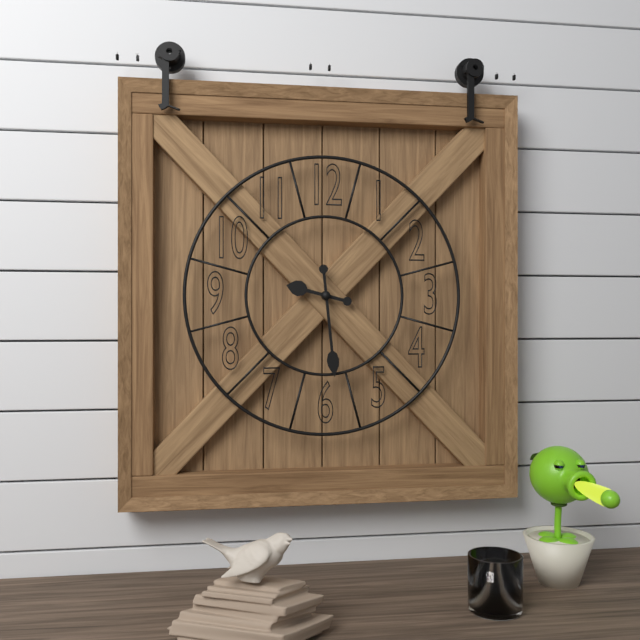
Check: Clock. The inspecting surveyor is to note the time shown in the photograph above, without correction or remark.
9:29
